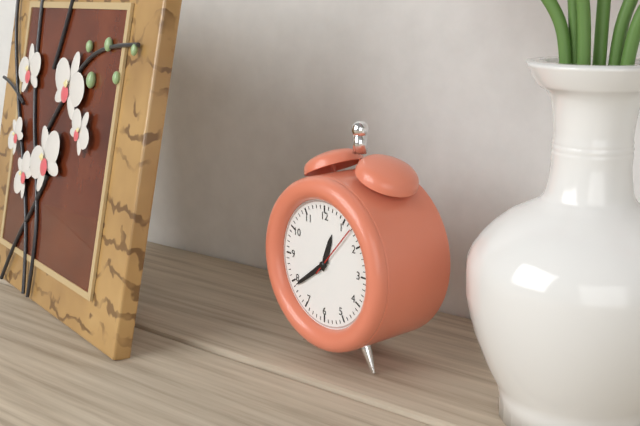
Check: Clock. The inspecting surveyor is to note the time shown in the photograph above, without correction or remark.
12:39:07
